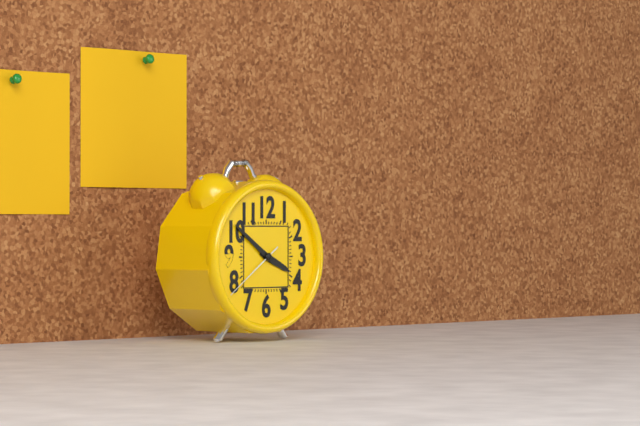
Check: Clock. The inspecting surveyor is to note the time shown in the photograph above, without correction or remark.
3:51:39
